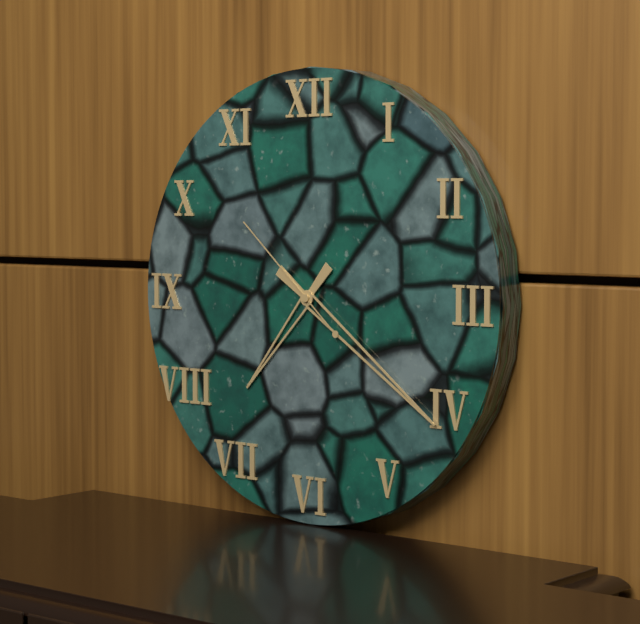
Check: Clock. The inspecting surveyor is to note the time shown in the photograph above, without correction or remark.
7:21:52
